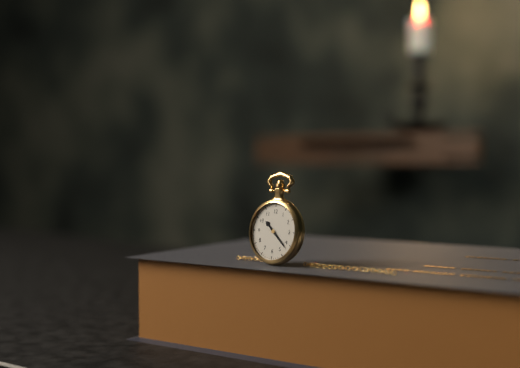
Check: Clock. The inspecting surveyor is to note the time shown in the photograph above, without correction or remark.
10:22
